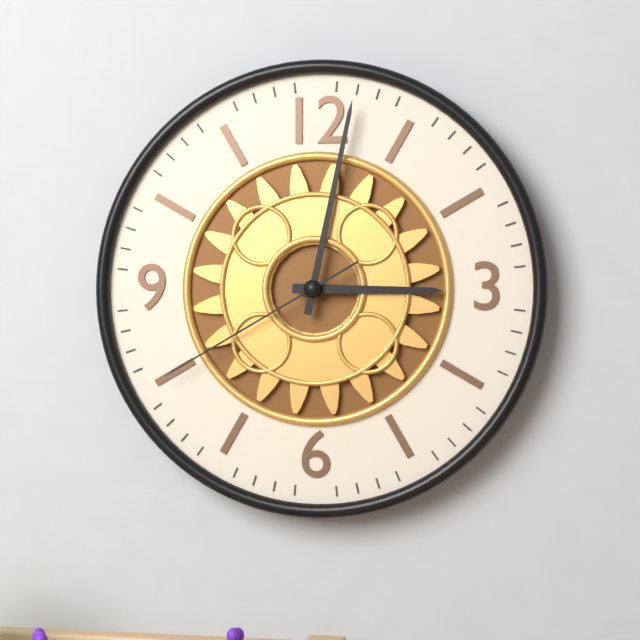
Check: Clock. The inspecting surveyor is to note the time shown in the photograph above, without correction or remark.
3:02:40
